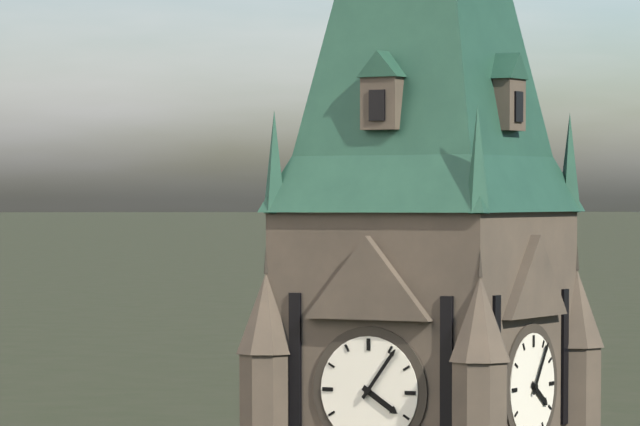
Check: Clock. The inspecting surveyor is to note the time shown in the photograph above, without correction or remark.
4:06
